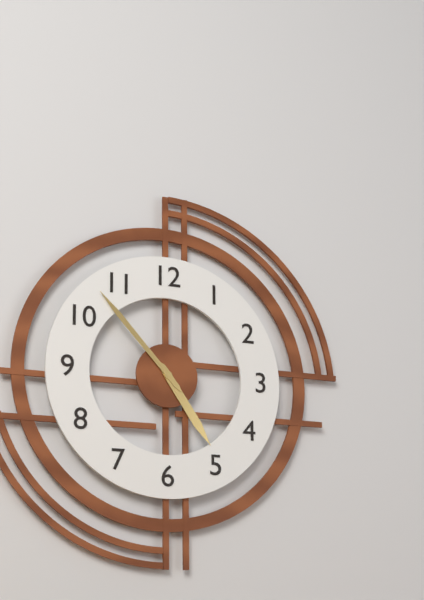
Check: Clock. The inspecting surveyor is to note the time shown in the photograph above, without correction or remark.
4:53
